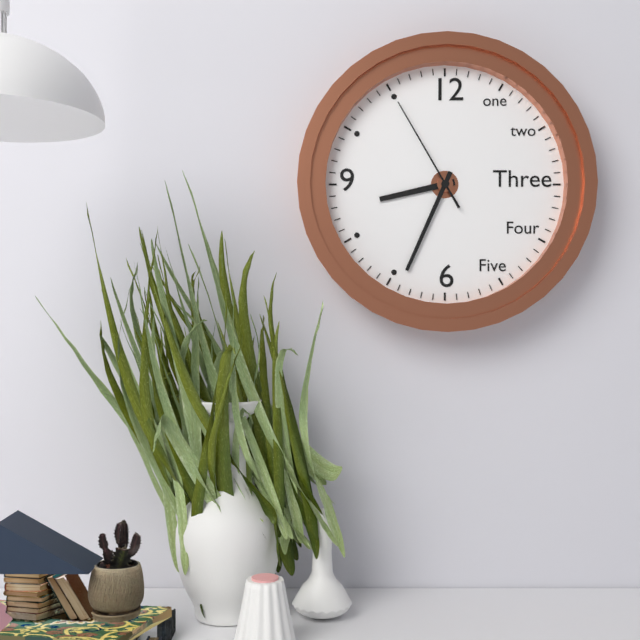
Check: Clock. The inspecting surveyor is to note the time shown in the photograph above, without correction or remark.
8:34:55
